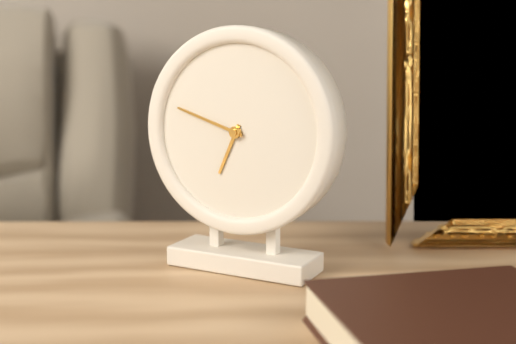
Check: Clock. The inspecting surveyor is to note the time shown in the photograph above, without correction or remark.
6:48
